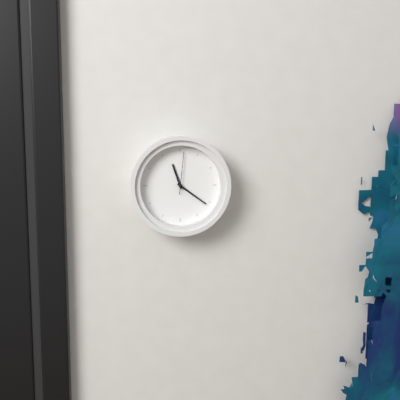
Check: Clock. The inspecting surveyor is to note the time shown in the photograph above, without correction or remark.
11:21
